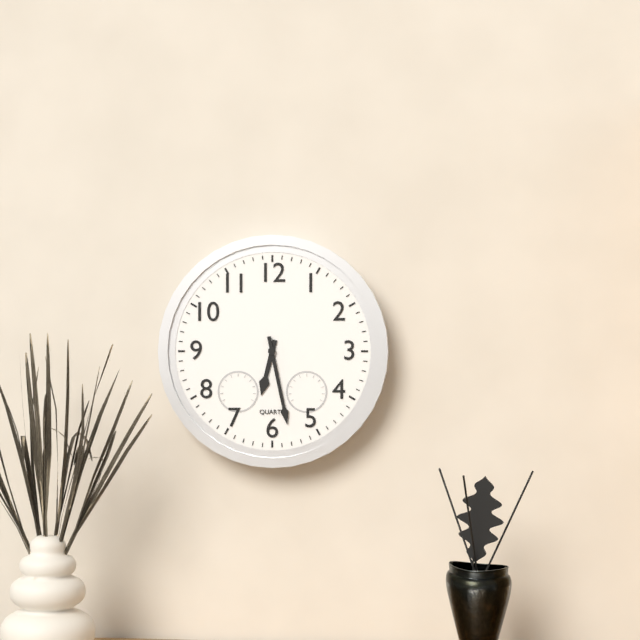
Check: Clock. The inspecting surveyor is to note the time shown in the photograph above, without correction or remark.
6:28
